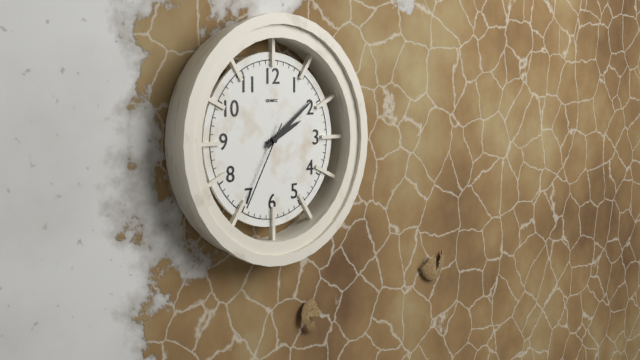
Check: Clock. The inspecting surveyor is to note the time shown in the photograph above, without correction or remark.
2:09:35
